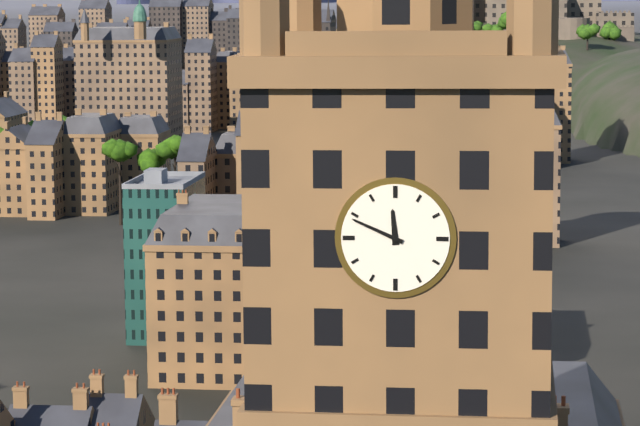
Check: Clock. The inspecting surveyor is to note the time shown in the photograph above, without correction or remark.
11:49
